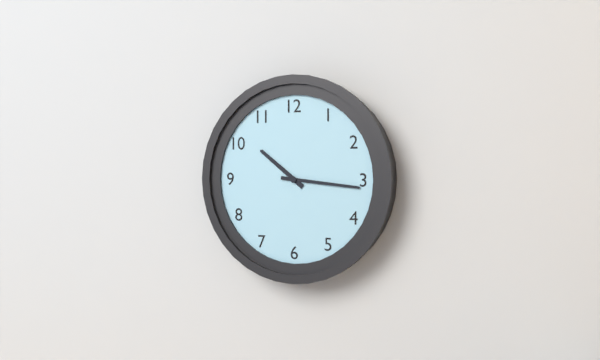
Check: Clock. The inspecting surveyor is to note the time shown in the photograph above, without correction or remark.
10:16
